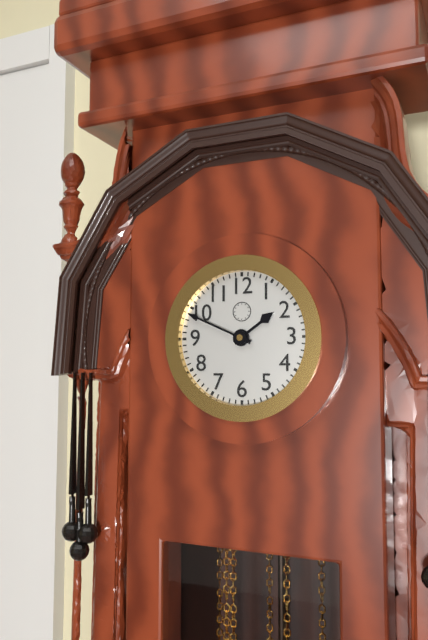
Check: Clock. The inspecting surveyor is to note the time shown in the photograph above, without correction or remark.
1:49
